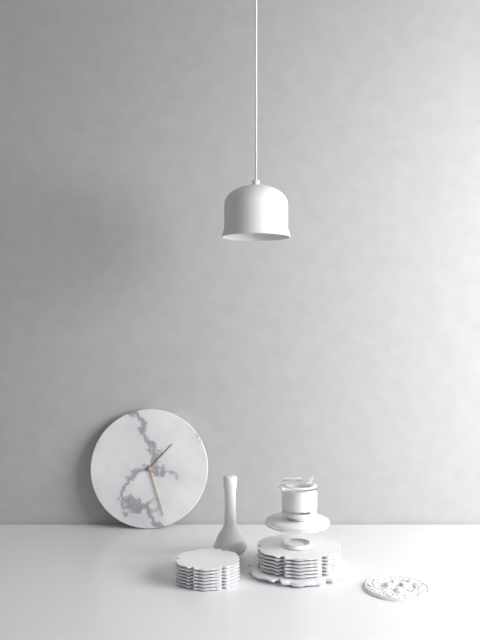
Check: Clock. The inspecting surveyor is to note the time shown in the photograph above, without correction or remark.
1:27
